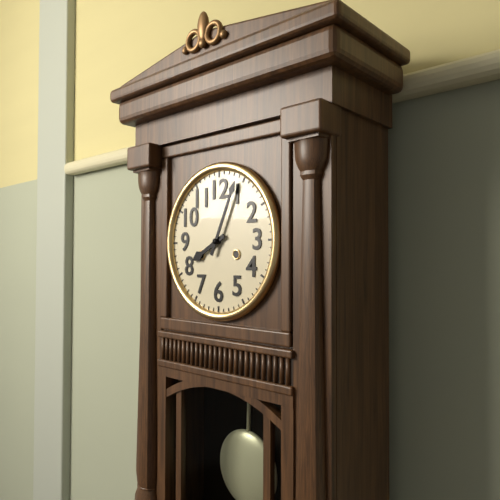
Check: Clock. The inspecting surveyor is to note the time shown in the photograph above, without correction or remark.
8:04
